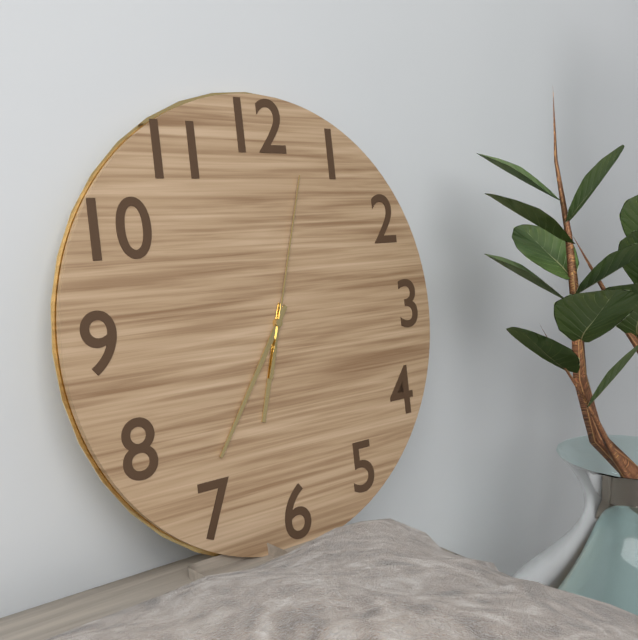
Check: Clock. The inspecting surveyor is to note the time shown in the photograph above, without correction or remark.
6:36:03
